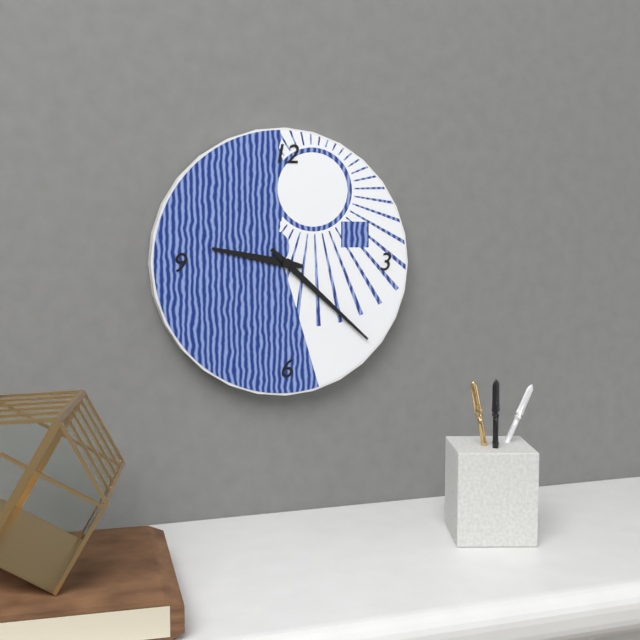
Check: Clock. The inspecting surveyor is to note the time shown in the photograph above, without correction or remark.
9:22
